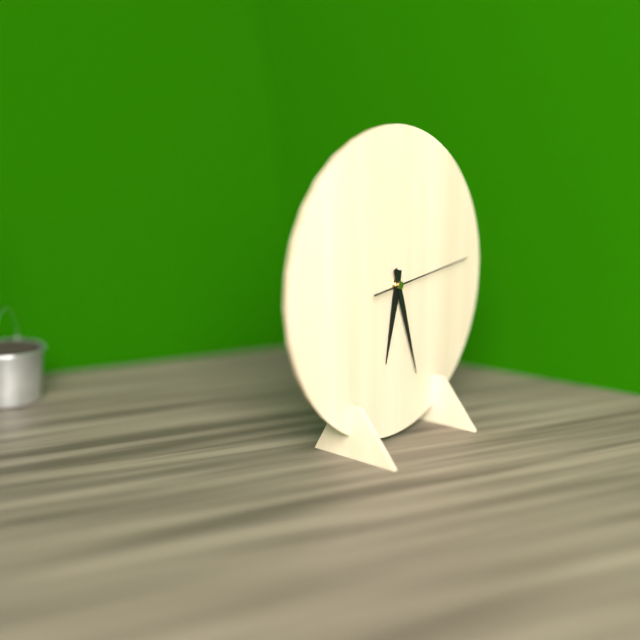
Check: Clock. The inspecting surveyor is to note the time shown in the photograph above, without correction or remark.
6:27:14
